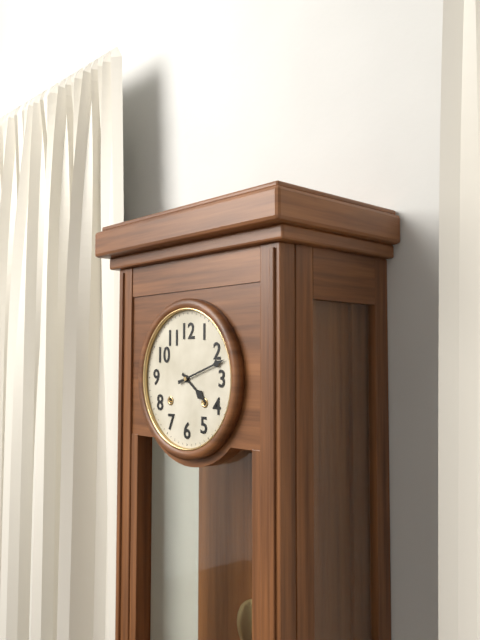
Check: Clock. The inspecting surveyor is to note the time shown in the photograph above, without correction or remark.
4:12
